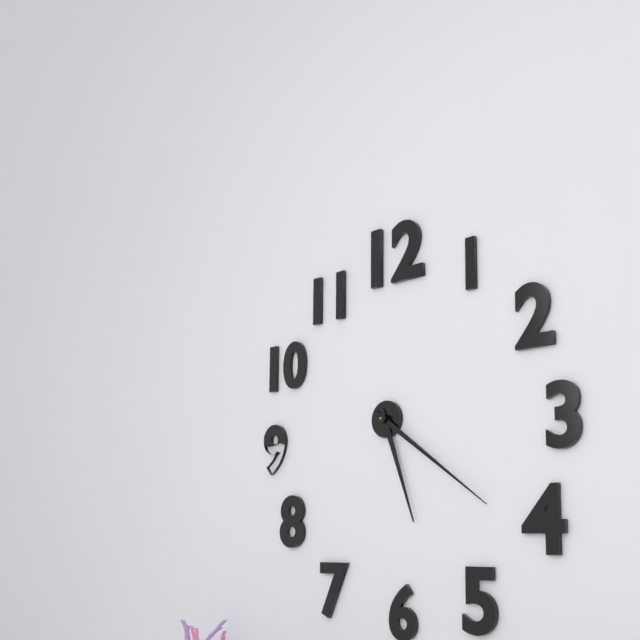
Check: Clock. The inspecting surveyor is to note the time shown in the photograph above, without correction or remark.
5:21
